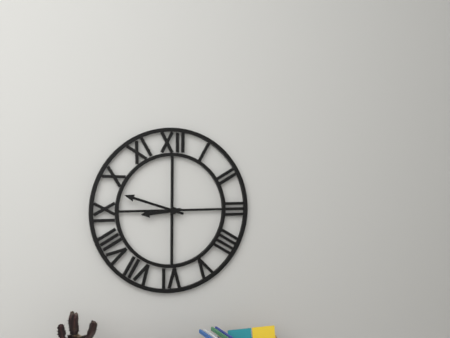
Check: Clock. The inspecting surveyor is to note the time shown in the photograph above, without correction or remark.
8:48
